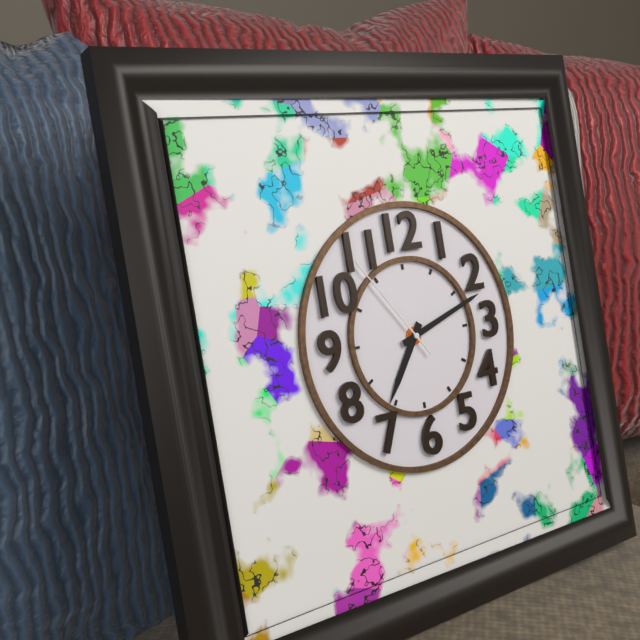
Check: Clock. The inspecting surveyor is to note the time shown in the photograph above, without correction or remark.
7:12:54
